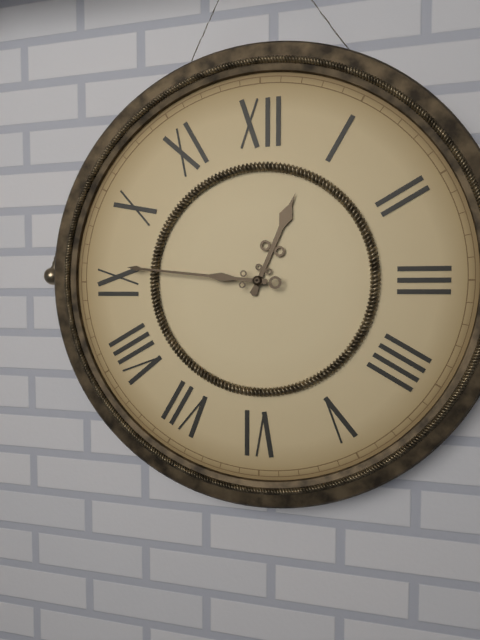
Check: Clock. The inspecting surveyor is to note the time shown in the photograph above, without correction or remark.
12:46
